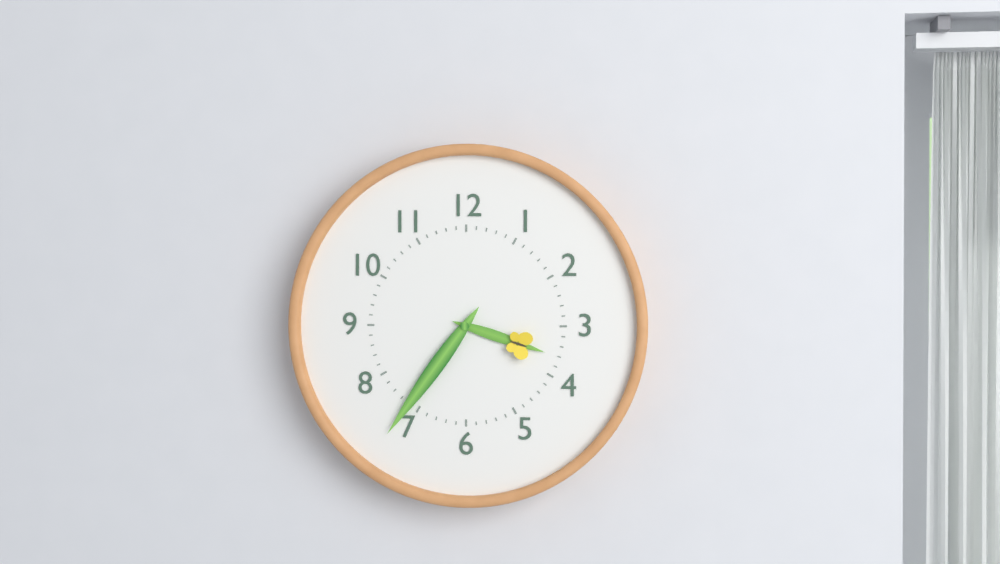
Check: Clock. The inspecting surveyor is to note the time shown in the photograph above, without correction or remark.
3:36
